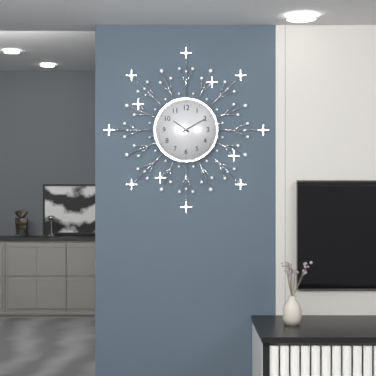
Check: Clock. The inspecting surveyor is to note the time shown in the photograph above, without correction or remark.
10:10
